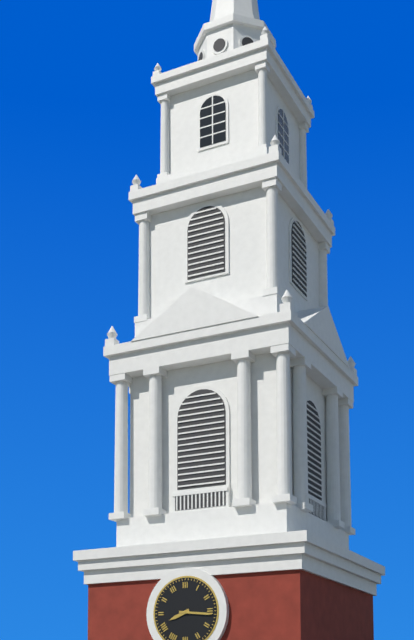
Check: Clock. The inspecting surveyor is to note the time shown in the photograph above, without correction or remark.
8:16
